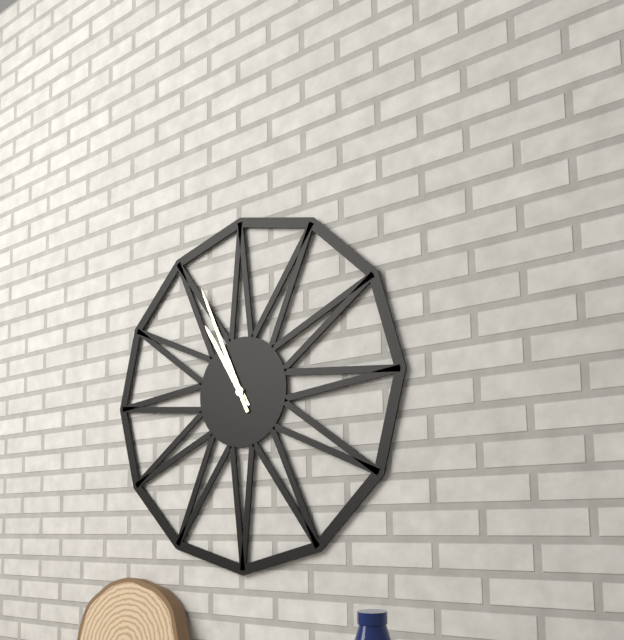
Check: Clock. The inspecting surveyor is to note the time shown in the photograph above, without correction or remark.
10:56
